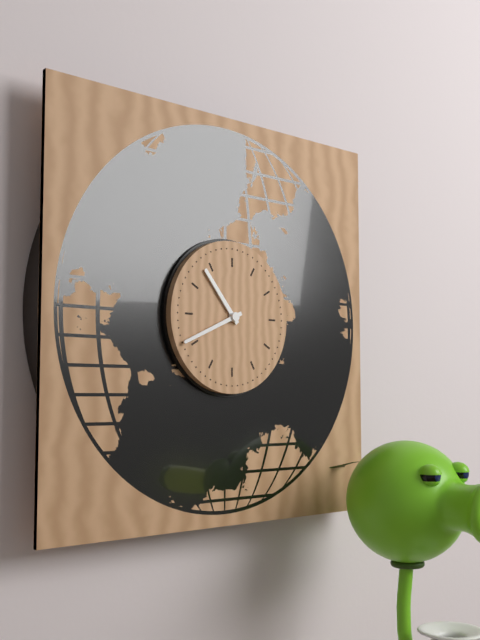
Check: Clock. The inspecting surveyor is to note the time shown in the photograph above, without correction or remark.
10:41
